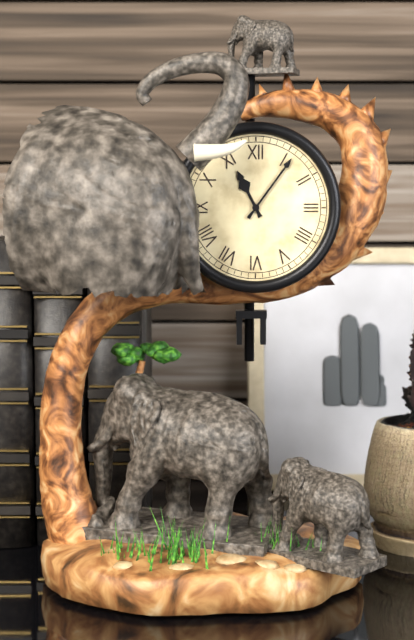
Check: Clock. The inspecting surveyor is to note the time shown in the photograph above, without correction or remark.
11:06
